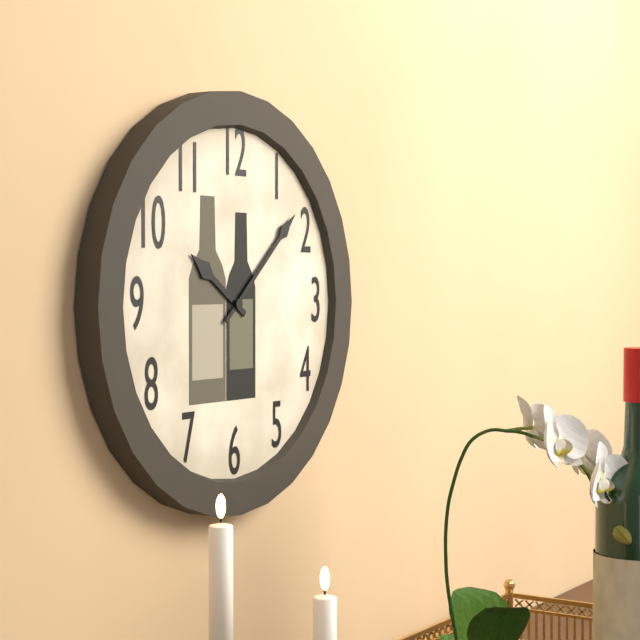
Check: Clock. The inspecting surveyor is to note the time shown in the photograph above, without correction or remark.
10:08
